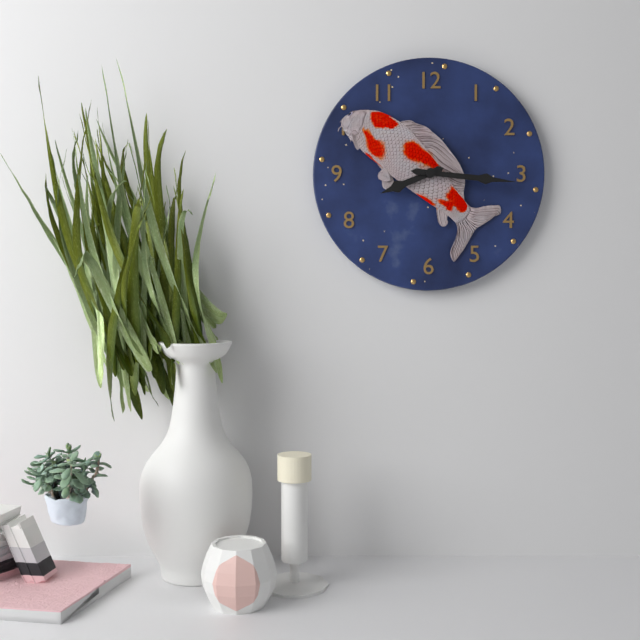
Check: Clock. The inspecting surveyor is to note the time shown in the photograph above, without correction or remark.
8:16
